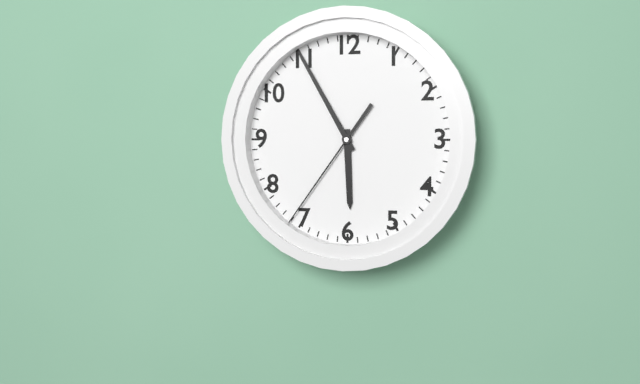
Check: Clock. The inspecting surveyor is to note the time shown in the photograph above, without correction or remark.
5:55:36
